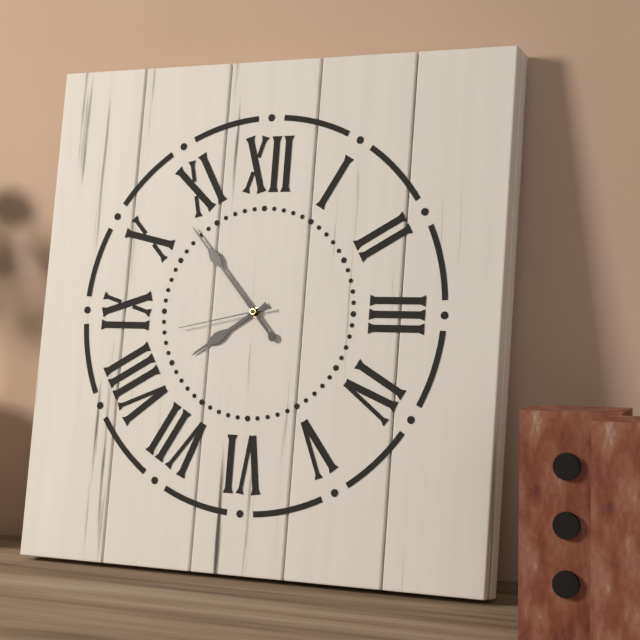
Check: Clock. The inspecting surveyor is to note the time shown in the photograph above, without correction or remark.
7:53:43
